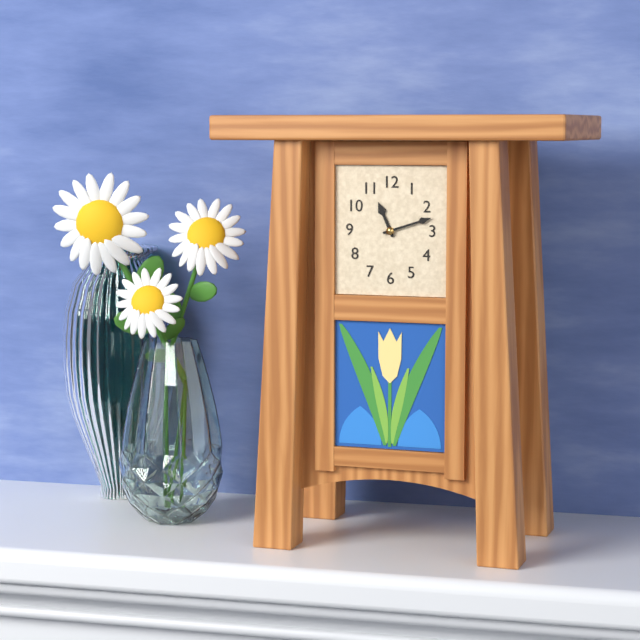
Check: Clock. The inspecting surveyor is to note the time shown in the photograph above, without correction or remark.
11:12
